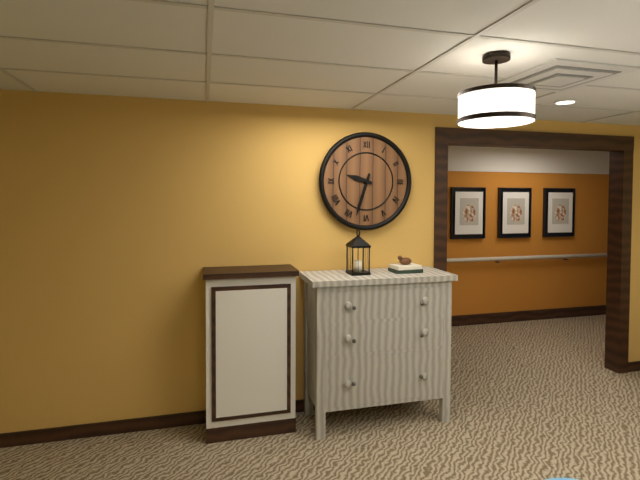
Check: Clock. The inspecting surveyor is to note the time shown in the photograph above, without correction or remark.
9:33
